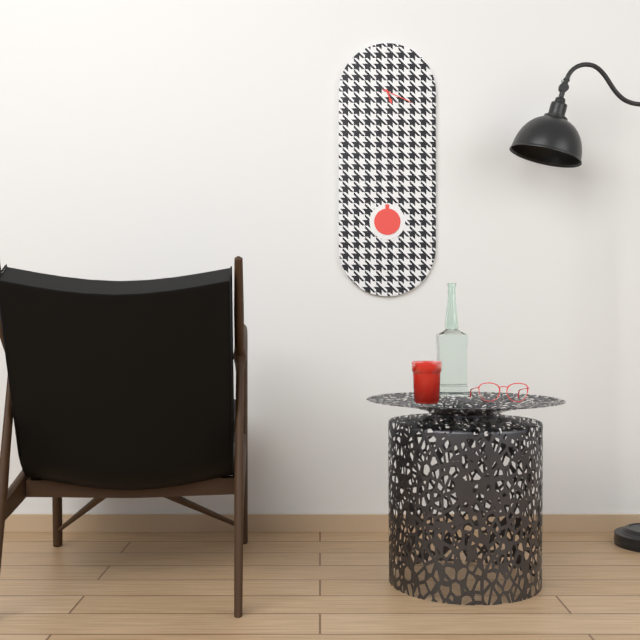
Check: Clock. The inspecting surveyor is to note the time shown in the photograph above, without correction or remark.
5:19
